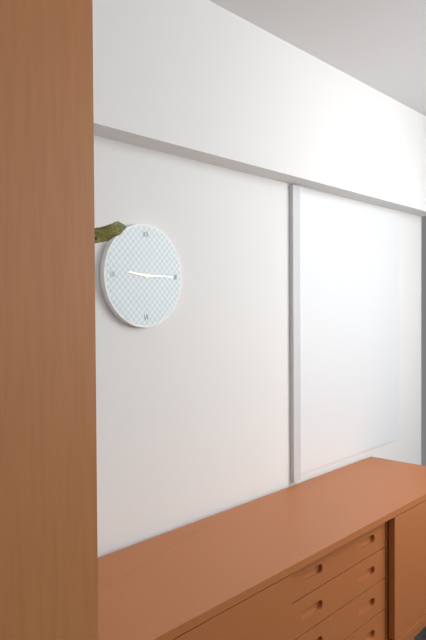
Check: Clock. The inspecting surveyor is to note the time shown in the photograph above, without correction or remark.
9:15
